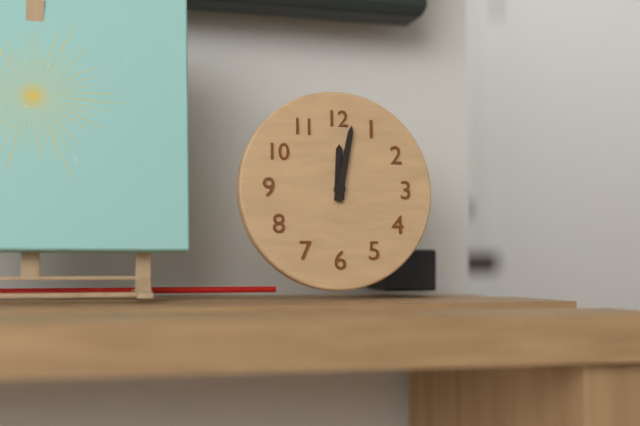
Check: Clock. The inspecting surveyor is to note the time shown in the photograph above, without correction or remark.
12:02
